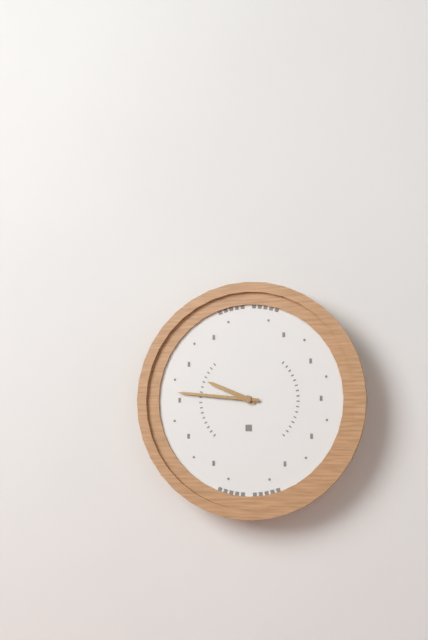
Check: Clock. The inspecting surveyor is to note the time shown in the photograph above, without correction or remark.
9:46
